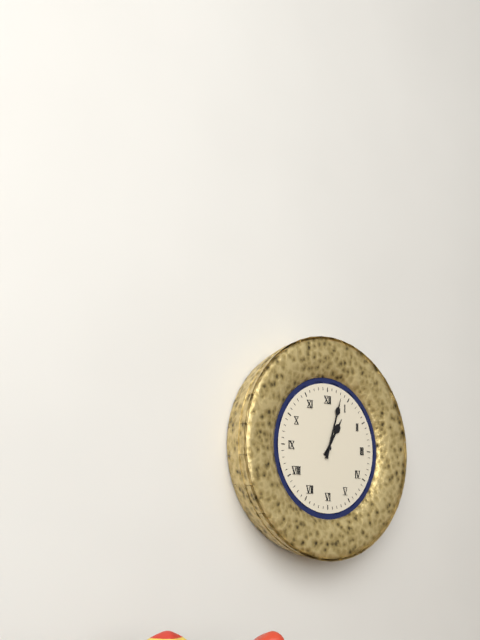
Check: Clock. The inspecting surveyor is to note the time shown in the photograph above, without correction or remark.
1:03
